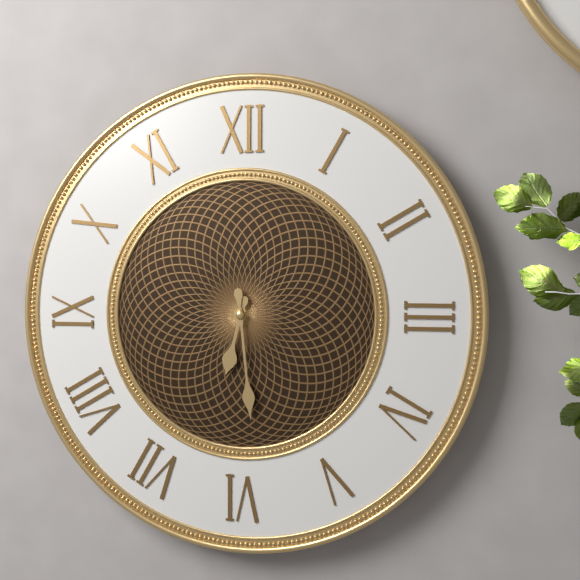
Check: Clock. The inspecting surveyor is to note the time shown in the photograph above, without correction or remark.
6:29
